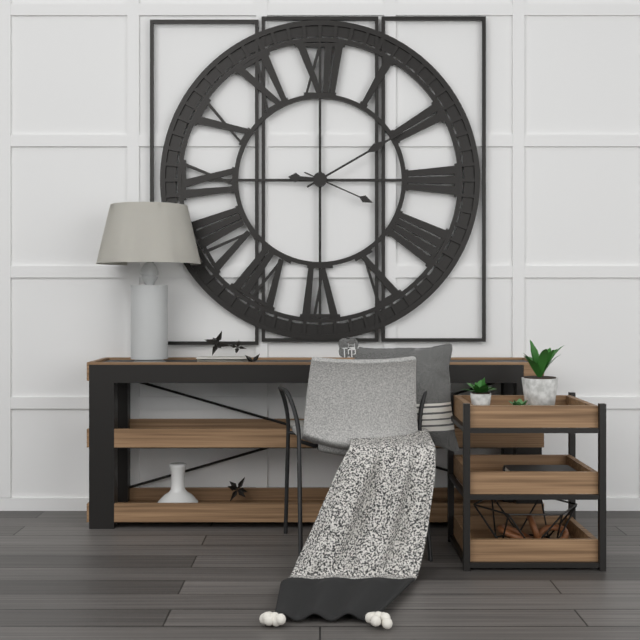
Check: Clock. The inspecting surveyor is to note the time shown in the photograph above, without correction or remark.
9:10:19
